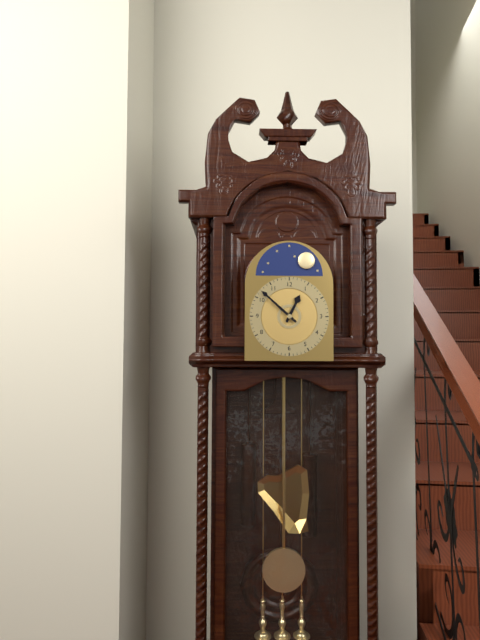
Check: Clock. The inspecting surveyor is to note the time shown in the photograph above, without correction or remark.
12:52
